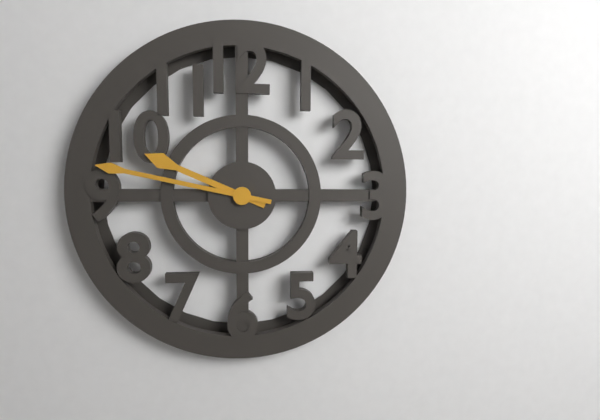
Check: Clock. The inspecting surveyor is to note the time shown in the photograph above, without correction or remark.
9:47
